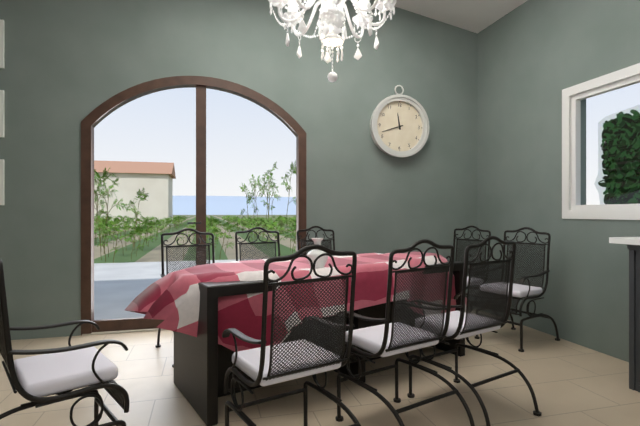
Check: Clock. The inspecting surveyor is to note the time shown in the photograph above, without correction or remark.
11:42
